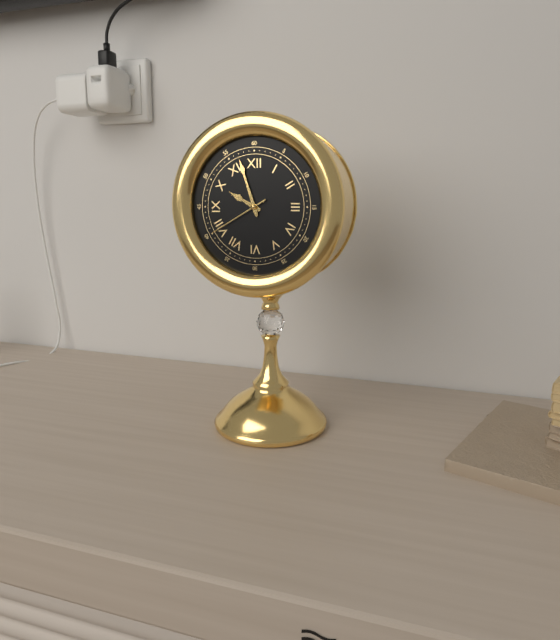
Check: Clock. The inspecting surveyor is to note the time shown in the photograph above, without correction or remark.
9:57:40
